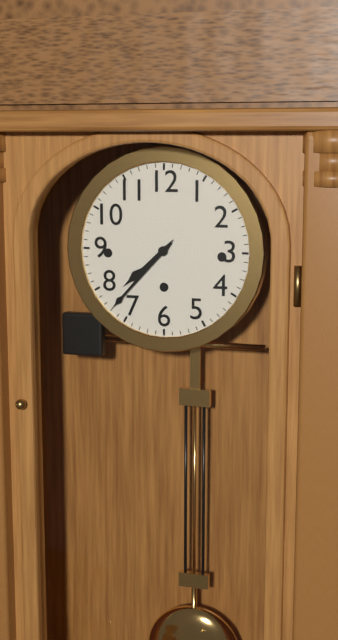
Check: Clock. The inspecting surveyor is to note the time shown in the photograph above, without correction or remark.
7:37
